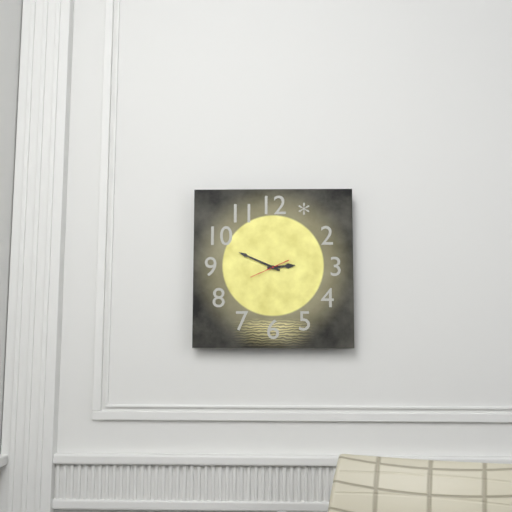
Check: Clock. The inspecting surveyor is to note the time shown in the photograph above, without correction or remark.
2:49
